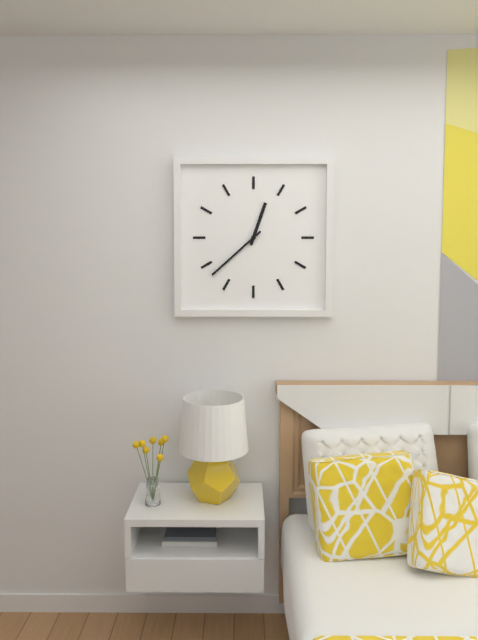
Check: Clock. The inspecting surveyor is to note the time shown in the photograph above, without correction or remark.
12:38
